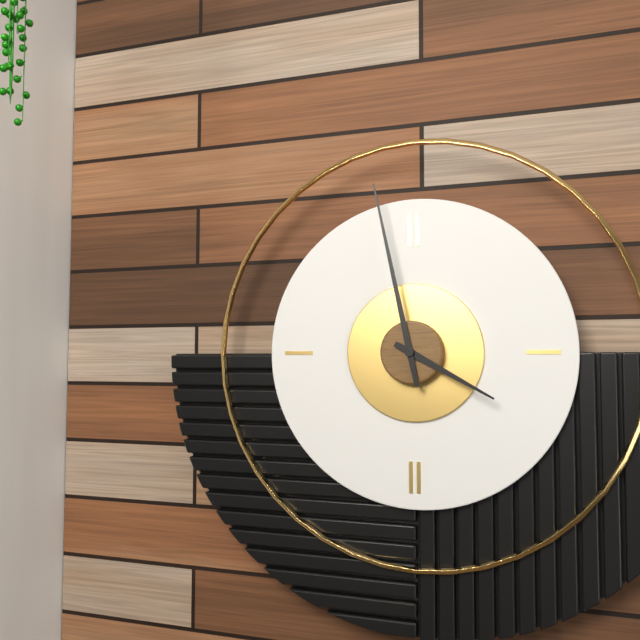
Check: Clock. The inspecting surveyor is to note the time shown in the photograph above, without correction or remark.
3:58
